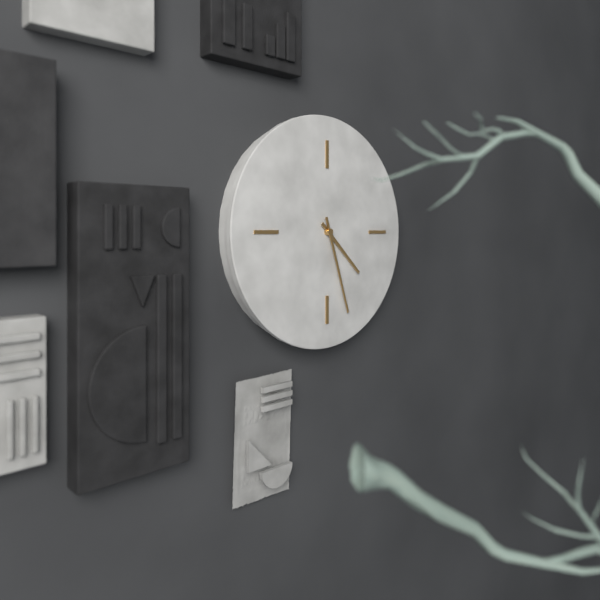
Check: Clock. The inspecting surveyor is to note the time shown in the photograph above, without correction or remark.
4:27
